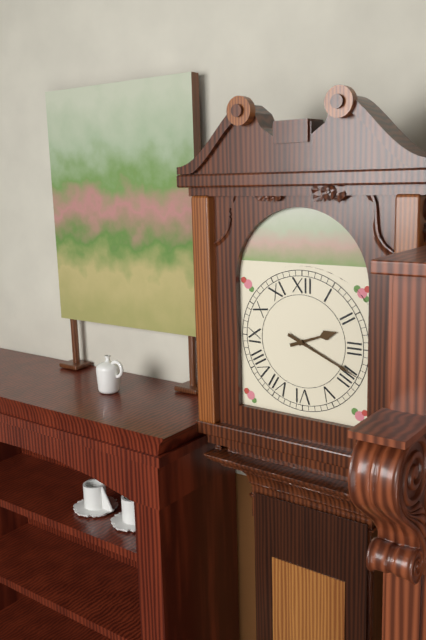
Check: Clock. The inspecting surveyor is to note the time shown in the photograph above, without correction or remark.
2:19
